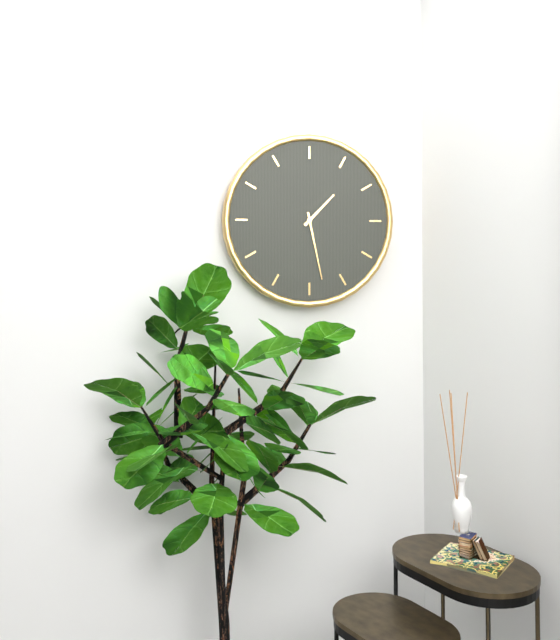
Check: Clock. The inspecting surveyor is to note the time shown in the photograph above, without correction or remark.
1:28
